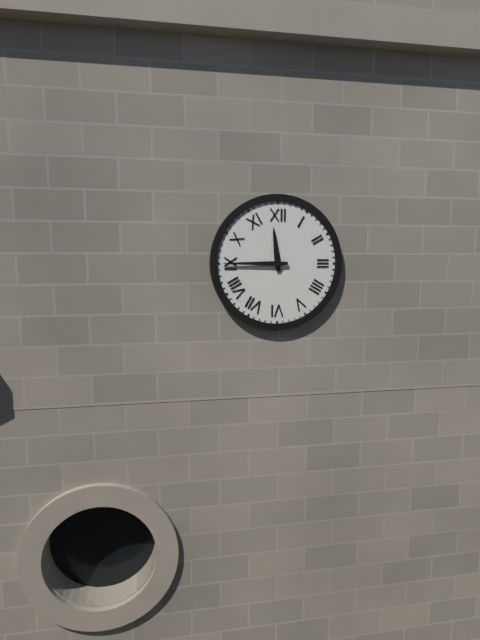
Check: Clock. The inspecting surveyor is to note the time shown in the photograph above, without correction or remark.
11:45
